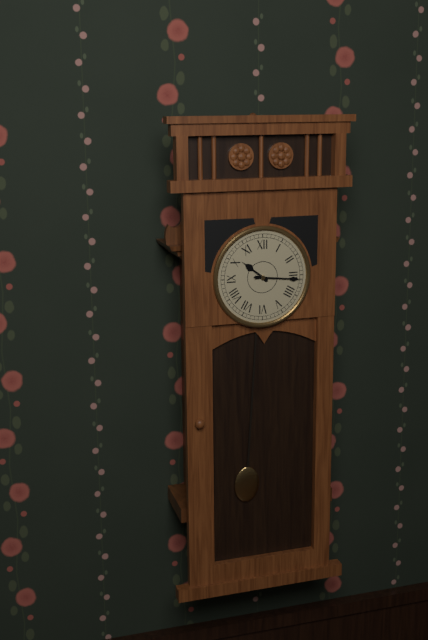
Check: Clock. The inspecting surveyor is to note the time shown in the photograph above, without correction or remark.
10:16
